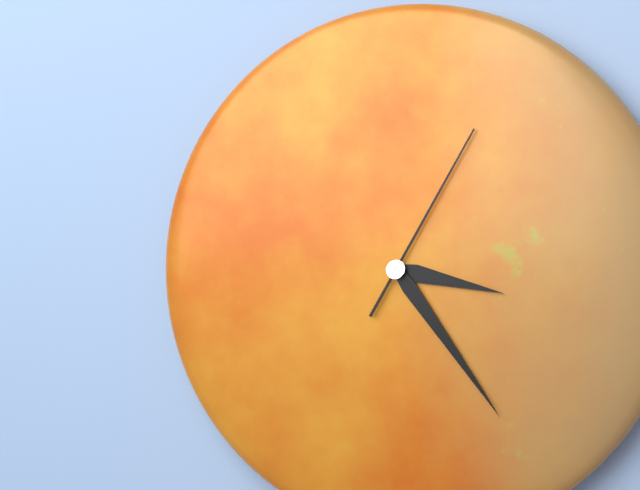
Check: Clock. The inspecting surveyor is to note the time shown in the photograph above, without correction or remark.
3:24:05
